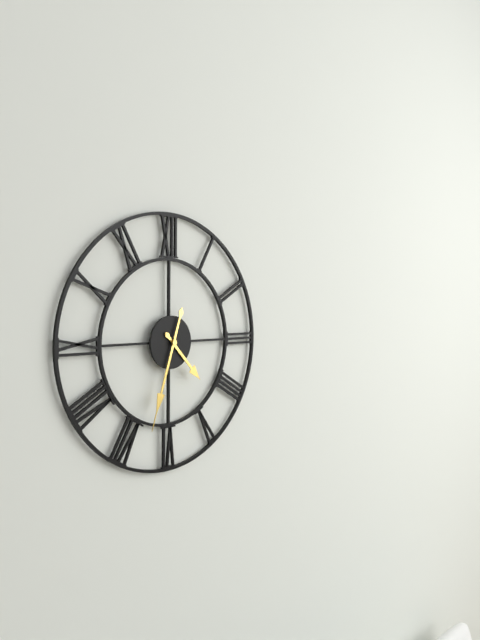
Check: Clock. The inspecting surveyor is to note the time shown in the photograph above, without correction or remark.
4:33
